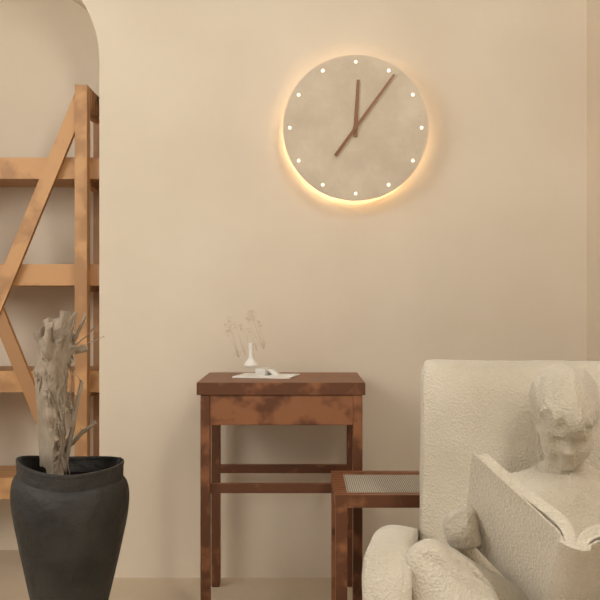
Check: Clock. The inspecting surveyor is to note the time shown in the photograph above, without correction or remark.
12:06
